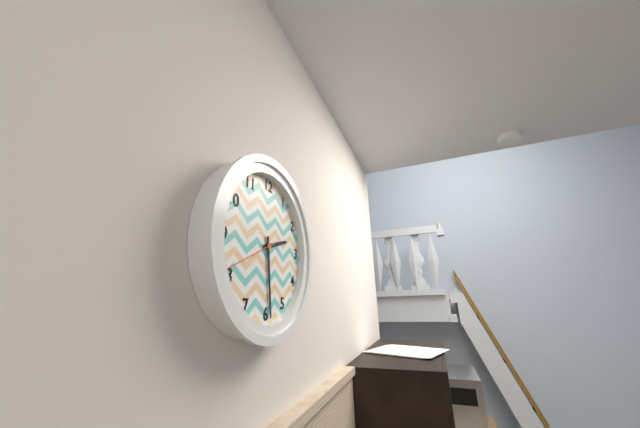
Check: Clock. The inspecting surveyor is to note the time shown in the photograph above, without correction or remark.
2:29:41
